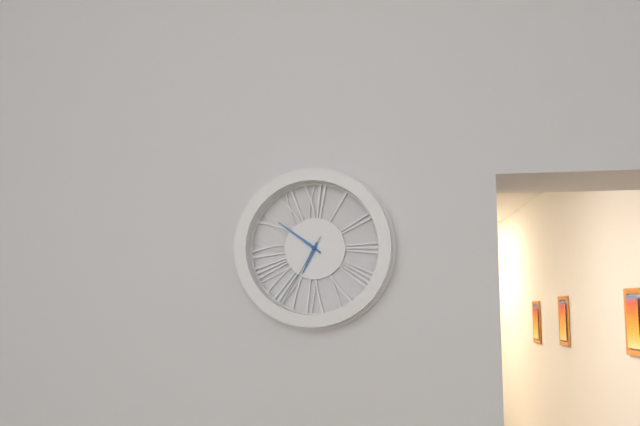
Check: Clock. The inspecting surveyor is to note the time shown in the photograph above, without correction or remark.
6:51:35
